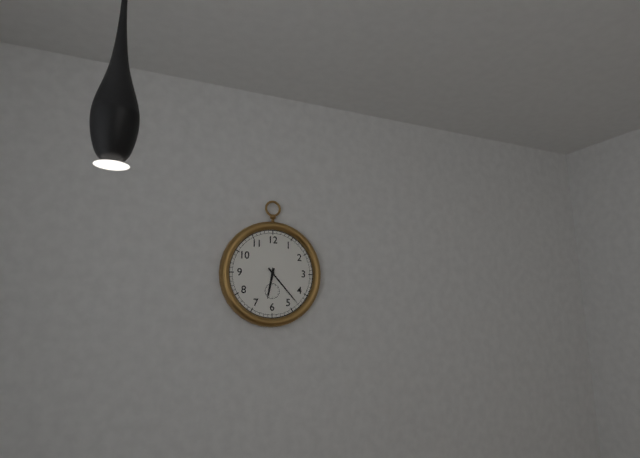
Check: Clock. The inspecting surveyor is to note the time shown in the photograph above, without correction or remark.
6:23
